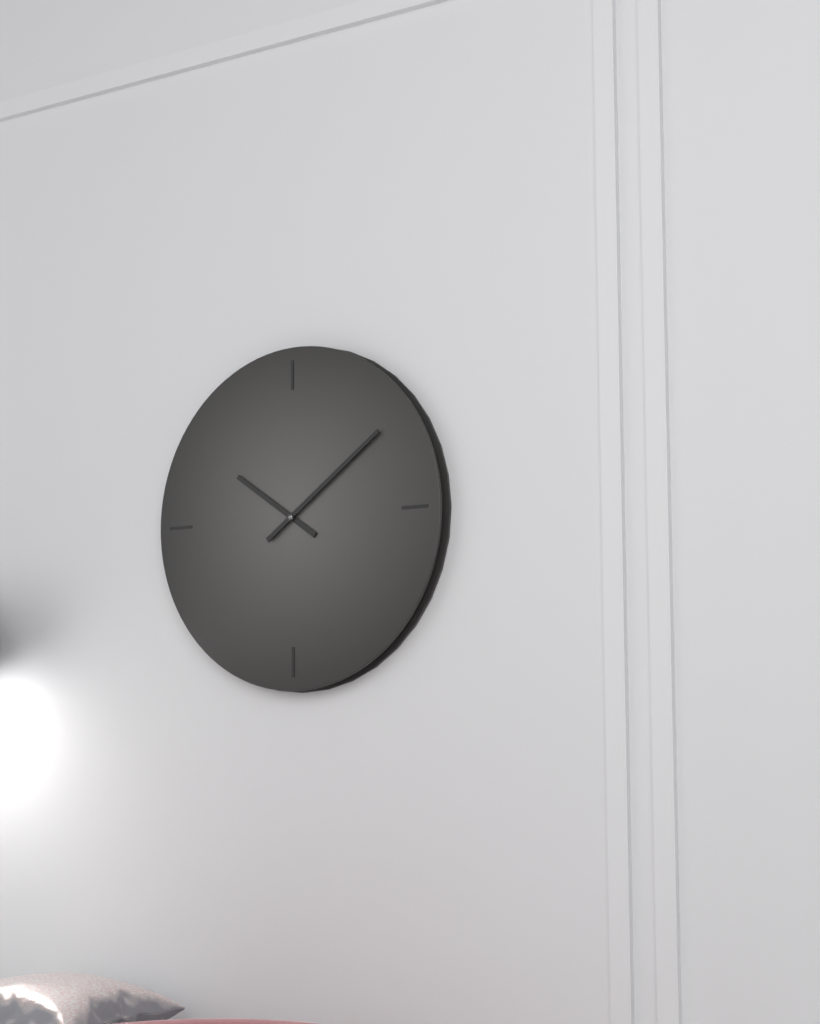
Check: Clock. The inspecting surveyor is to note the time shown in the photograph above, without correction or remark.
10:09
